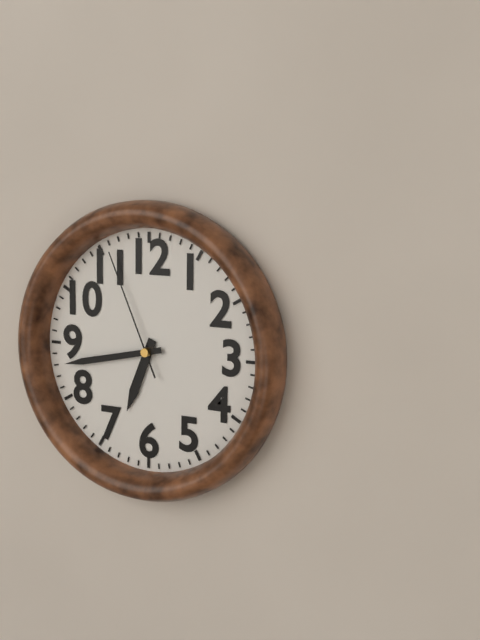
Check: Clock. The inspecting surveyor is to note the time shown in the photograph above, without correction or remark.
6:43:56
